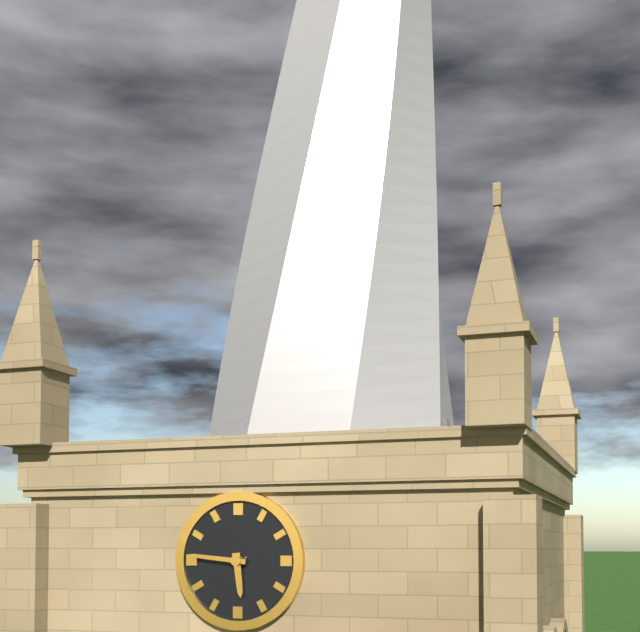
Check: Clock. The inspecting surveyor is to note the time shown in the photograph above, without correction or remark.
5:46
